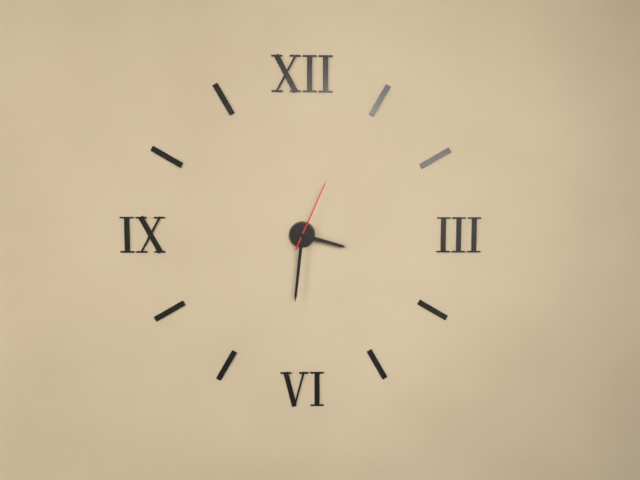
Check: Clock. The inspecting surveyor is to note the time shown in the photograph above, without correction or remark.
3:31:04
